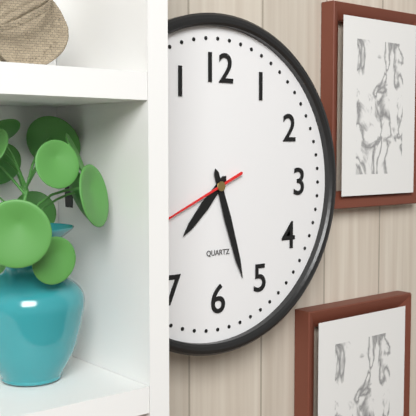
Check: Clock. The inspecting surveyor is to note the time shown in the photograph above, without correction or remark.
7:27
